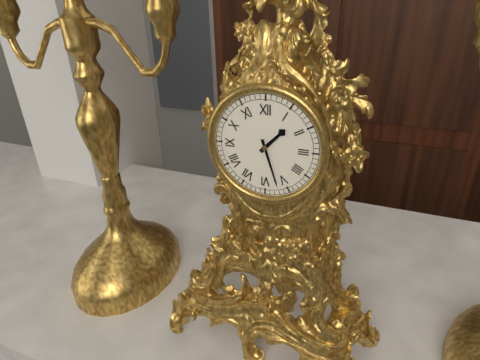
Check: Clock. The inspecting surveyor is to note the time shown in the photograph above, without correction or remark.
1:27
